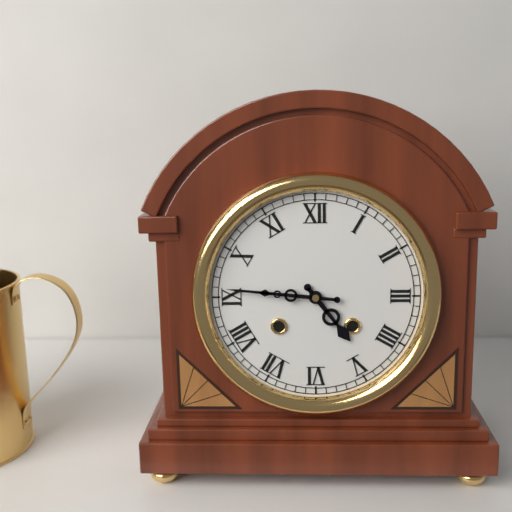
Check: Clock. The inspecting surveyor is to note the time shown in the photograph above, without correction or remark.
4:46
